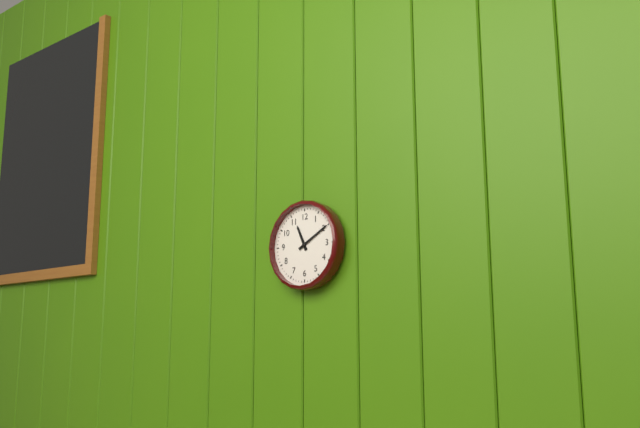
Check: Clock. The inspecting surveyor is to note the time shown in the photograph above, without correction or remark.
11:10
